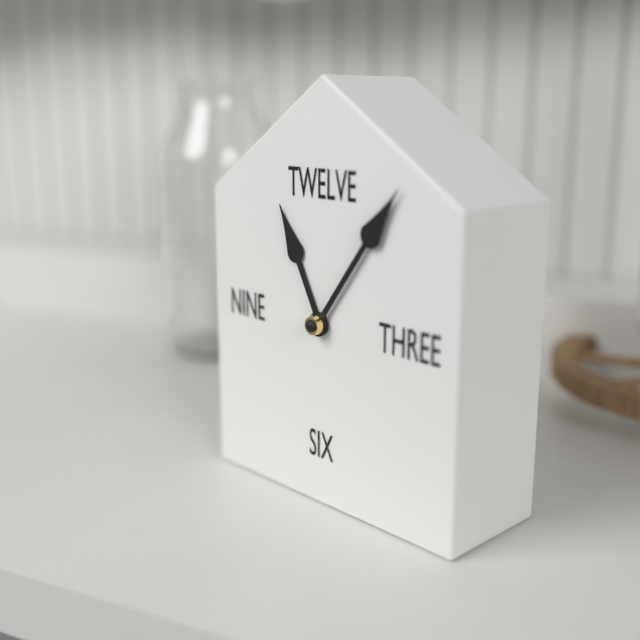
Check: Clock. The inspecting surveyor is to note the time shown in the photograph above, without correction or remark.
11:06
